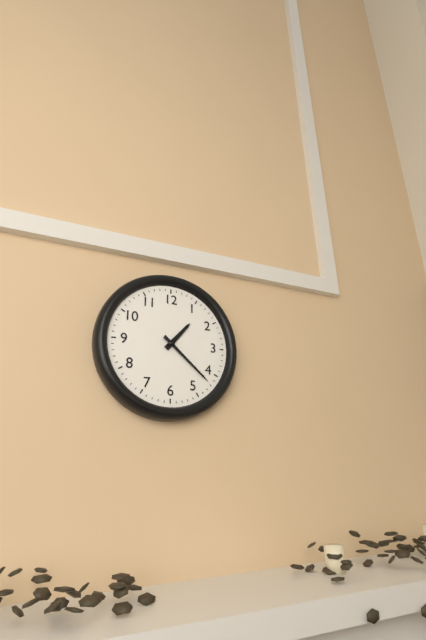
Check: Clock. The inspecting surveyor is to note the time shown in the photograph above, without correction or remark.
1:22
